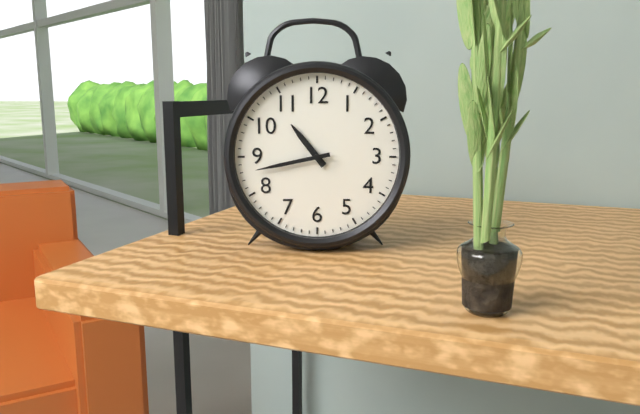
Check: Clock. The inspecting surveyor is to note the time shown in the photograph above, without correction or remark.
10:43
